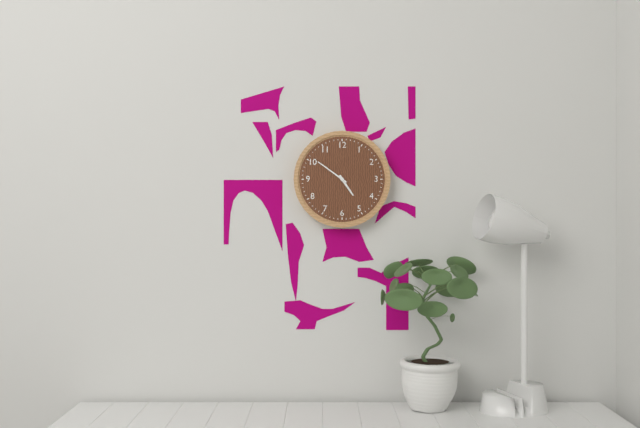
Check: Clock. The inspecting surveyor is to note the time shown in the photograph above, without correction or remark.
4:51
